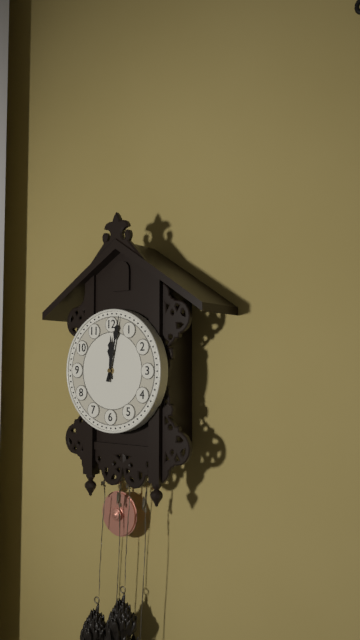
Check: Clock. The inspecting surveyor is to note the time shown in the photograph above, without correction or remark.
12:02
